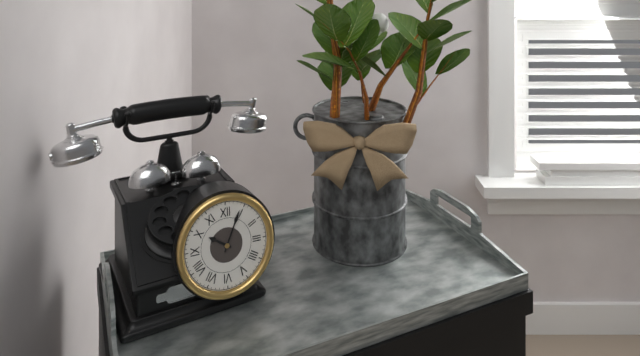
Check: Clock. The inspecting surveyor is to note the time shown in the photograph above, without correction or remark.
10:04
